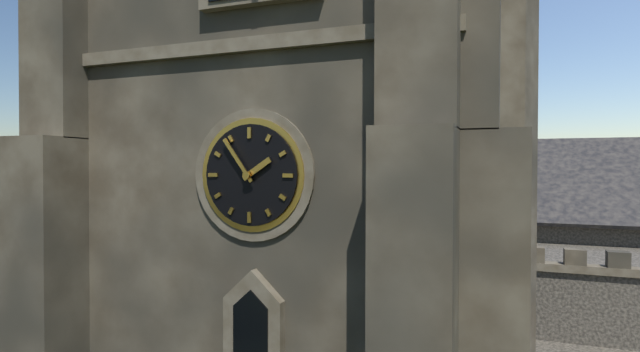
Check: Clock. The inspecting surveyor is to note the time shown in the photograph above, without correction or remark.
1:54
